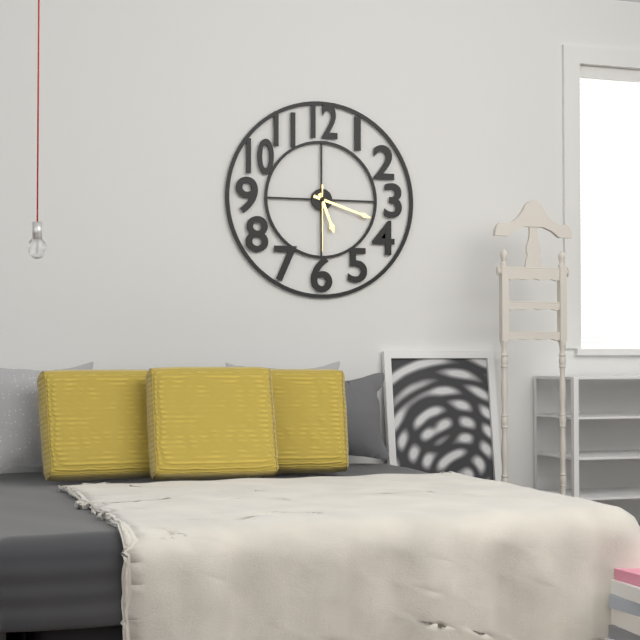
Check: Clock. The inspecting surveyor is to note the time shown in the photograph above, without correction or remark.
5:18:30
